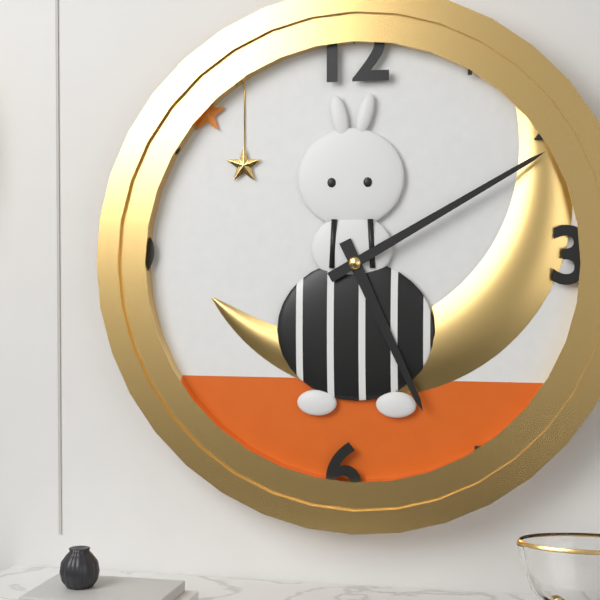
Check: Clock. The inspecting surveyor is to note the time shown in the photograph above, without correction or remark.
5:10
